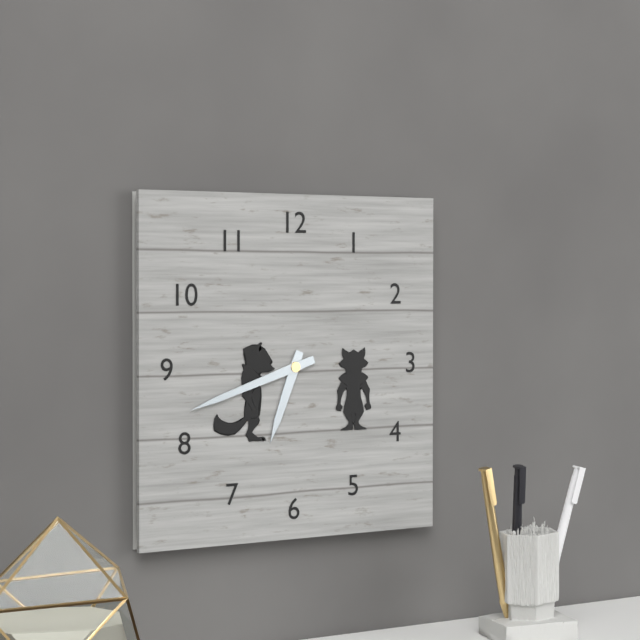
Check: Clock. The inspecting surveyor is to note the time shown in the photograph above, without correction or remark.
6:42
